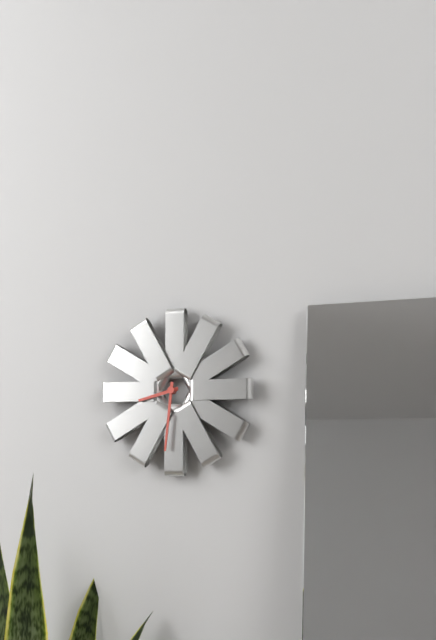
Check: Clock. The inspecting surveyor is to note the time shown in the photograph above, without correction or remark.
8:31
